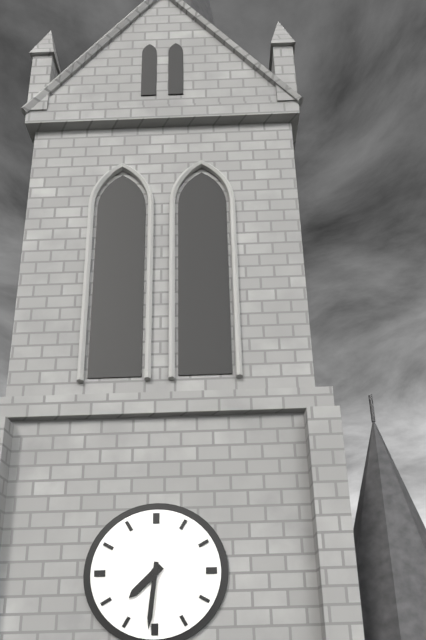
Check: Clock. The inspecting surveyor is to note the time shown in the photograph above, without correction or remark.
7:31
